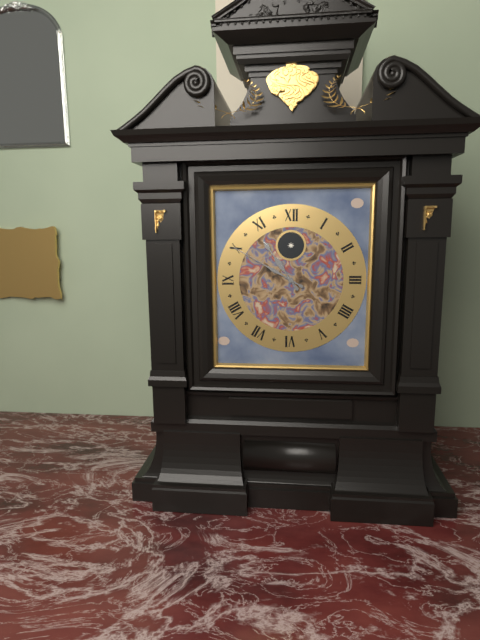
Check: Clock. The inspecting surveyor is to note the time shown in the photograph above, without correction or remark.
10:50
